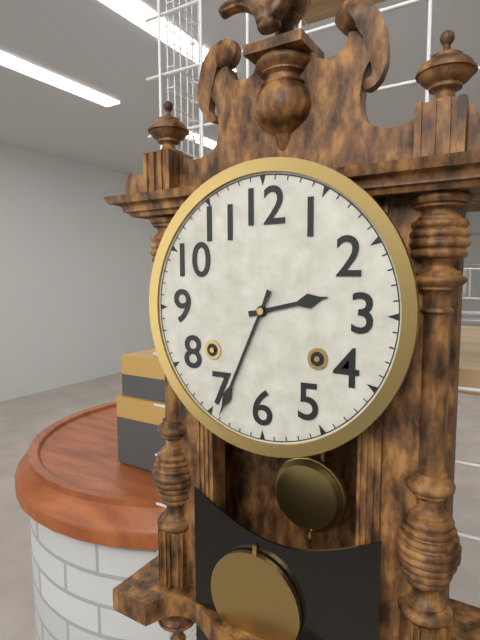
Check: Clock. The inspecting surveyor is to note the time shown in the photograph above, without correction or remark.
2:34
